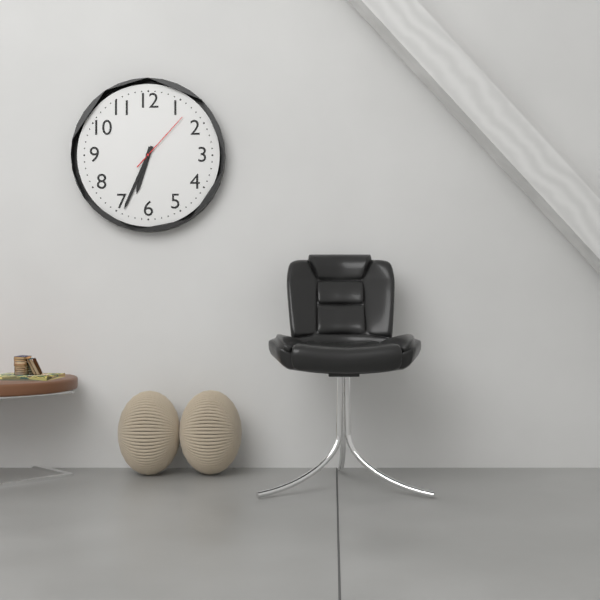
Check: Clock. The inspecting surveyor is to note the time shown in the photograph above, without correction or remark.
6:34:07
